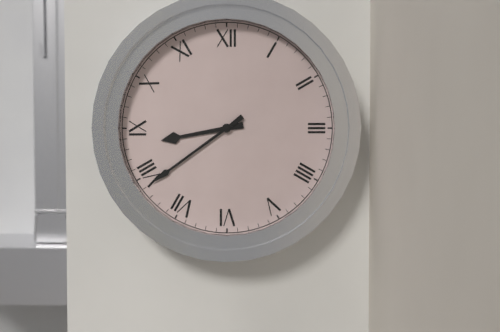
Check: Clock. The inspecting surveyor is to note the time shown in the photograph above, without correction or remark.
8:39
